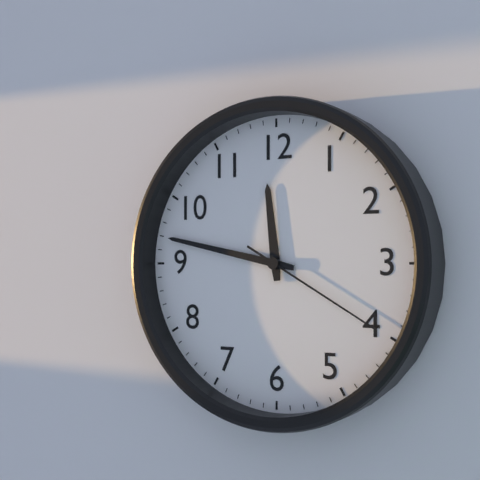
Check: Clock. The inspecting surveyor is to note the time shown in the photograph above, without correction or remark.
11:47:20
